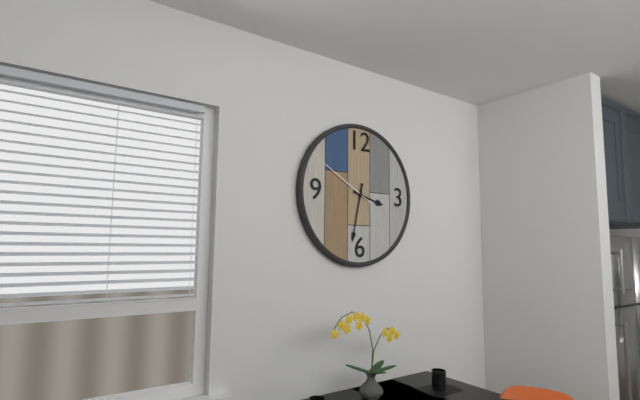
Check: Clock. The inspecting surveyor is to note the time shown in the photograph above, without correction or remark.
3:32:50
